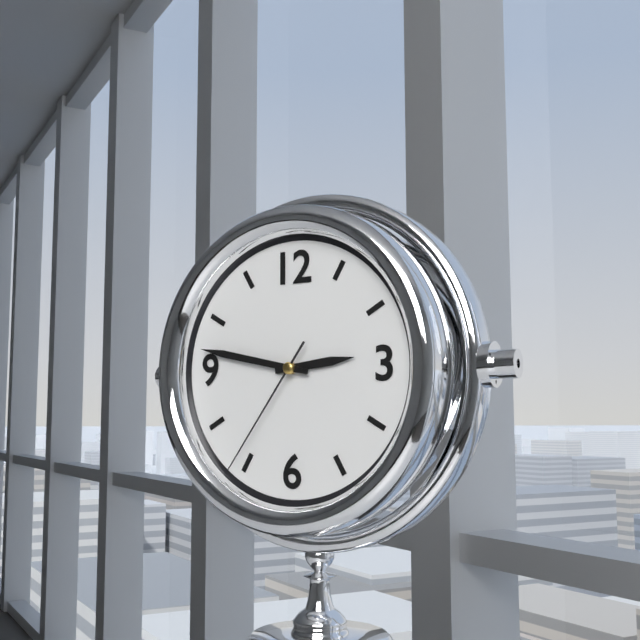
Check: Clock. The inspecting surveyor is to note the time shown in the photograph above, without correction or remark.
2:47:36
